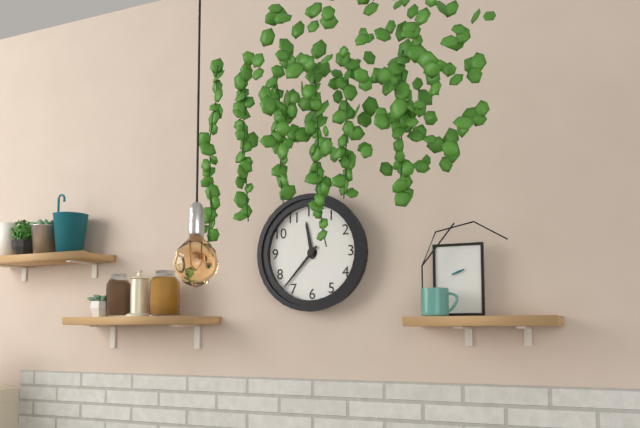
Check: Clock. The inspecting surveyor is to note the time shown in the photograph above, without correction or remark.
11:37
